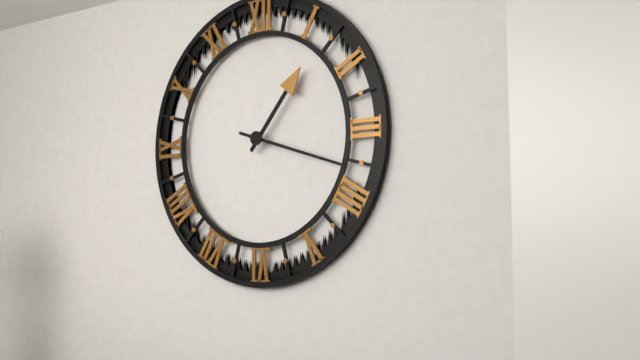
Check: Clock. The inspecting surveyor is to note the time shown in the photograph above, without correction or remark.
1:18
